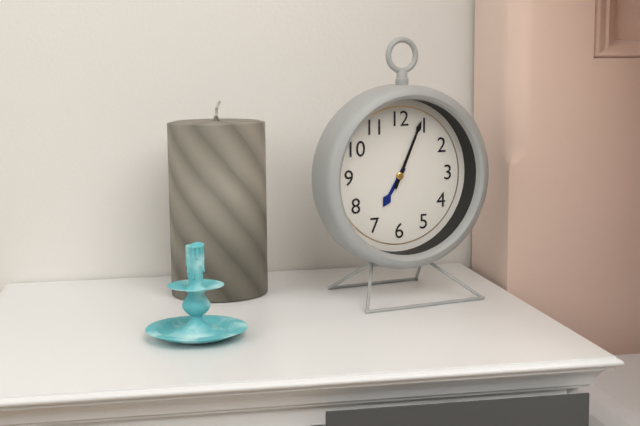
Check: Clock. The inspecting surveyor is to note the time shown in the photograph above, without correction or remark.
7:04
